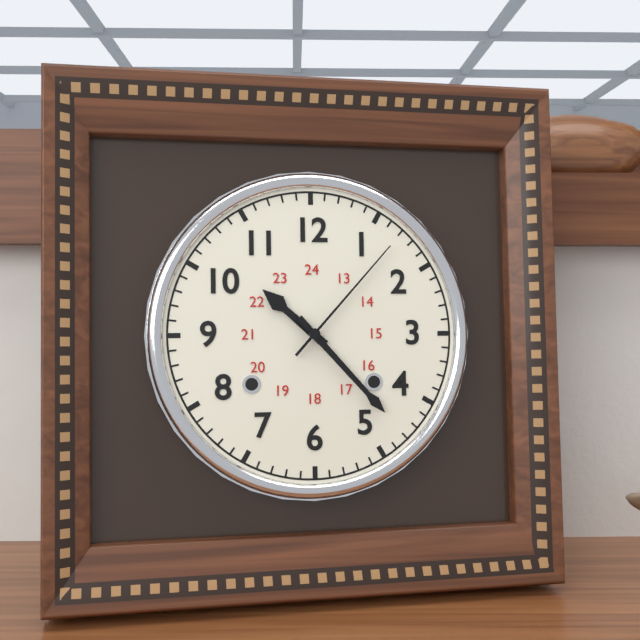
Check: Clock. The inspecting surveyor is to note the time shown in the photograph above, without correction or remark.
10:23:07
